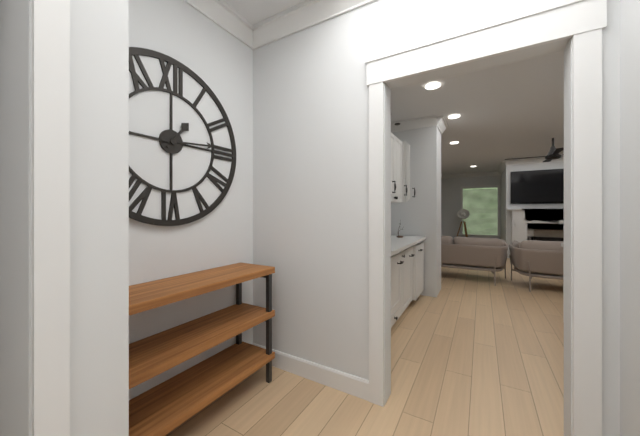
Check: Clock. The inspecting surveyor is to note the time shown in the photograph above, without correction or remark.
1:14
